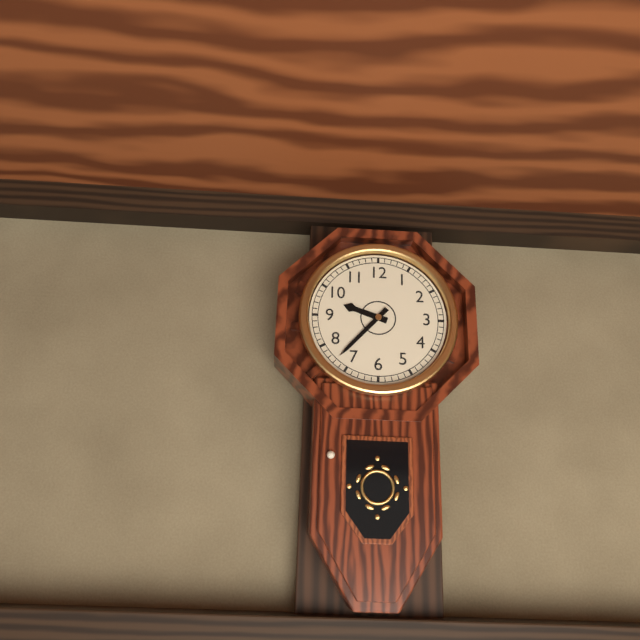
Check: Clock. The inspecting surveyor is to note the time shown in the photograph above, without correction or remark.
9:37
